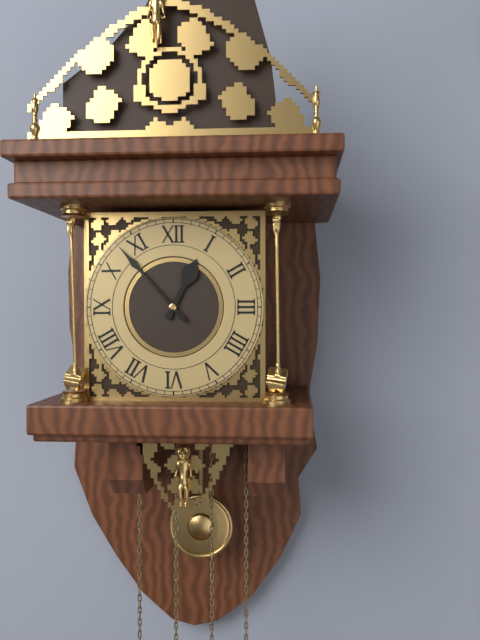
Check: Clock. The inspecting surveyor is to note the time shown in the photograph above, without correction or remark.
12:53
